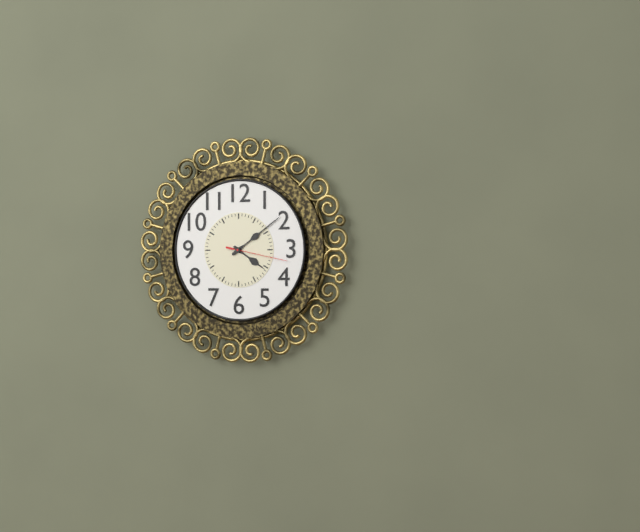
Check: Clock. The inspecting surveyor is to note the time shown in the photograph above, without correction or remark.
4:09:17
